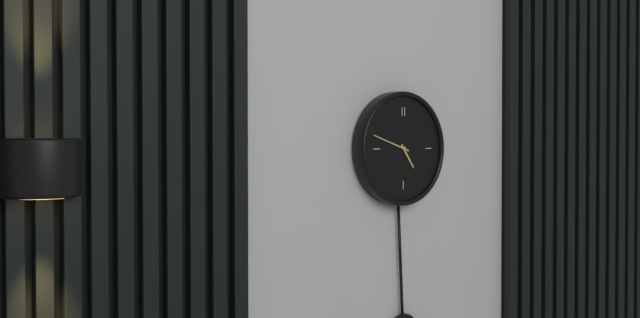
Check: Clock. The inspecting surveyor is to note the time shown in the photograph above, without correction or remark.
4:48
